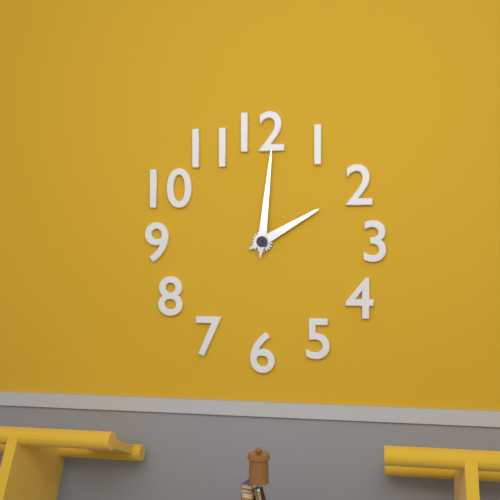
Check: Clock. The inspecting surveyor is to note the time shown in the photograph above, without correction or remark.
2:01
